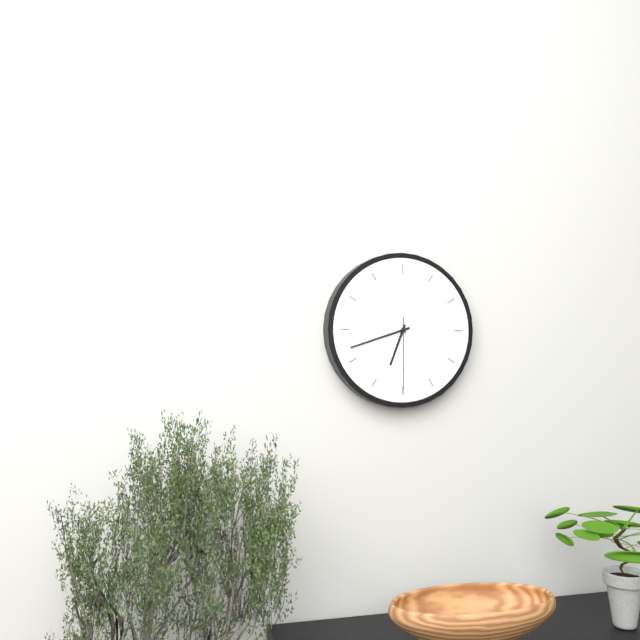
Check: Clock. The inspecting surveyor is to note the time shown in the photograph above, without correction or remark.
6:42:30
